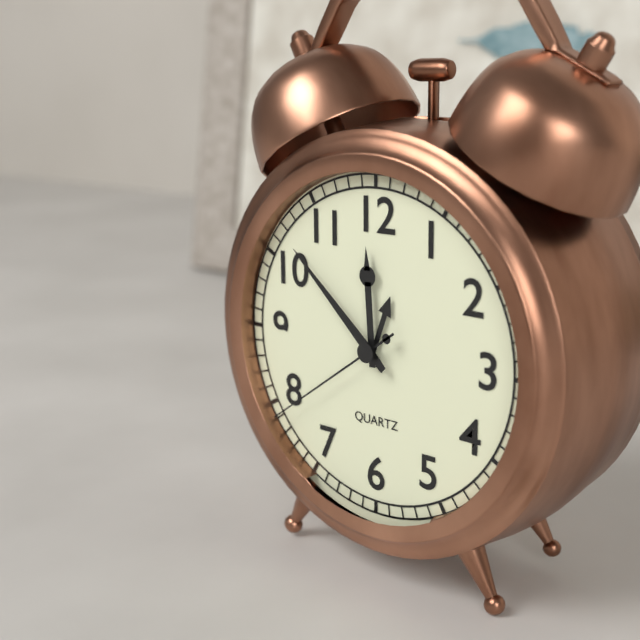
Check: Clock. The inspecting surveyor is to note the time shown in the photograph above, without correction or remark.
11:52:39
